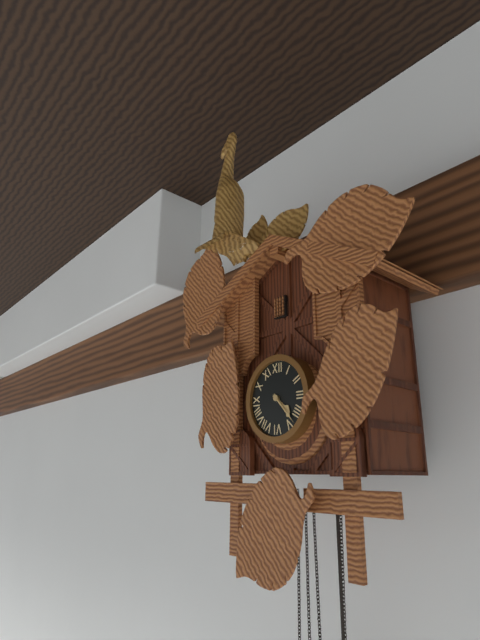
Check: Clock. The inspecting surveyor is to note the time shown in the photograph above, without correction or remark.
4:23
